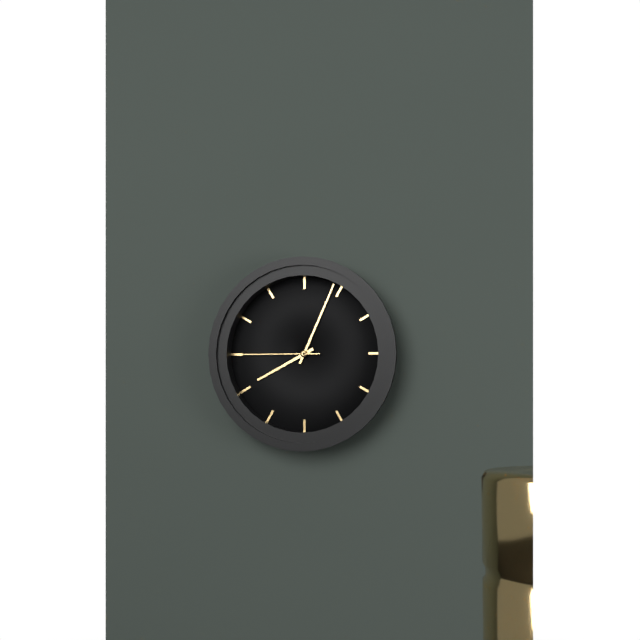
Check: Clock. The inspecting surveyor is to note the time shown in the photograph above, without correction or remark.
8:04:45
